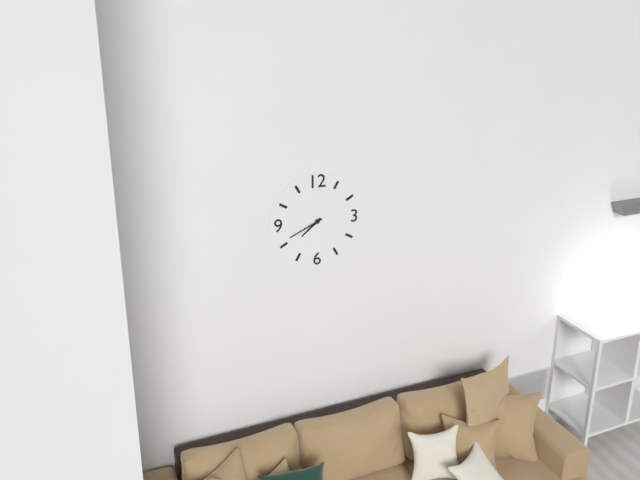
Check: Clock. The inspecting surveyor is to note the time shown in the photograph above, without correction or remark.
7:41
